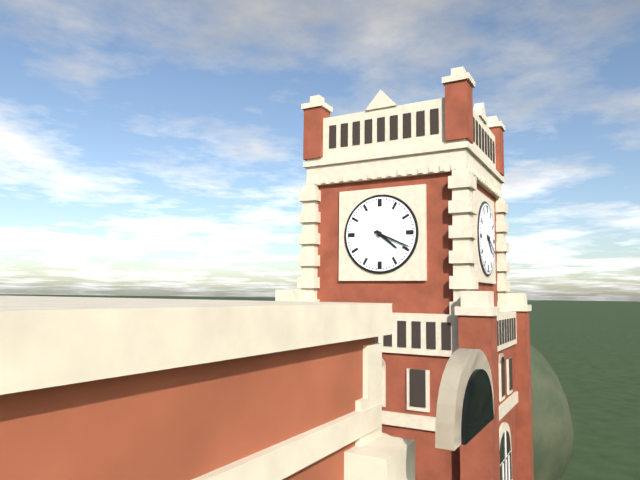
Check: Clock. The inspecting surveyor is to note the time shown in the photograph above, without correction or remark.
4:19
